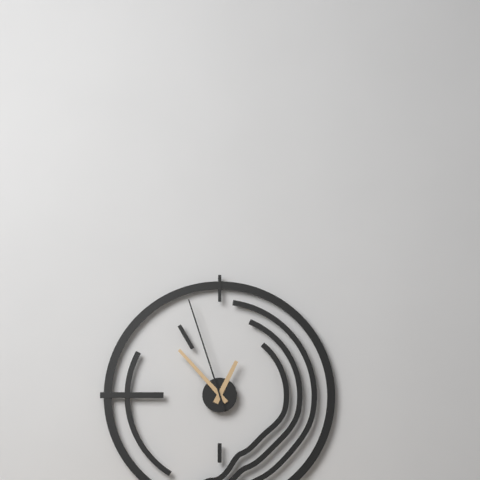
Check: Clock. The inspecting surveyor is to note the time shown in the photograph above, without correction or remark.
12:53:57
